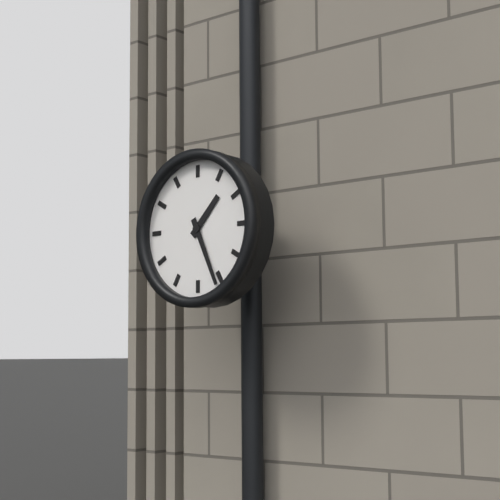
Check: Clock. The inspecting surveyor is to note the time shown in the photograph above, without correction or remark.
1:26
